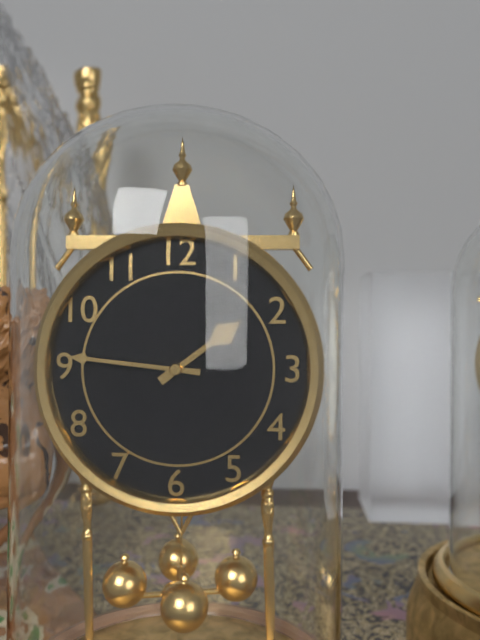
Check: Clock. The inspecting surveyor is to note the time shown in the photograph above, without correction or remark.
1:46
